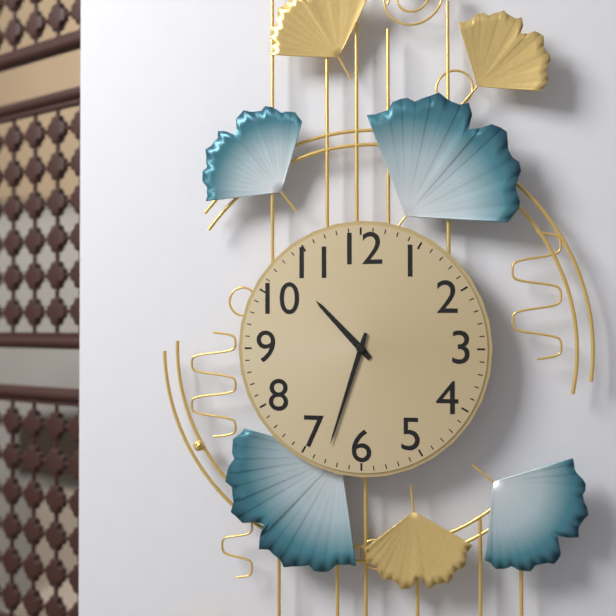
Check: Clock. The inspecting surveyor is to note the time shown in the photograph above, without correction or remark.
10:33
